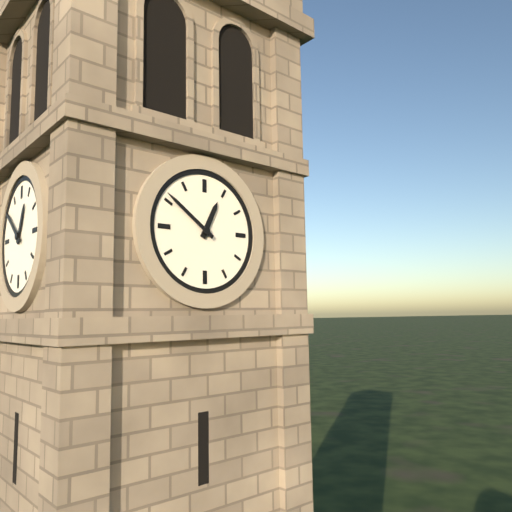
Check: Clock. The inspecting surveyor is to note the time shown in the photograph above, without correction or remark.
12:51
